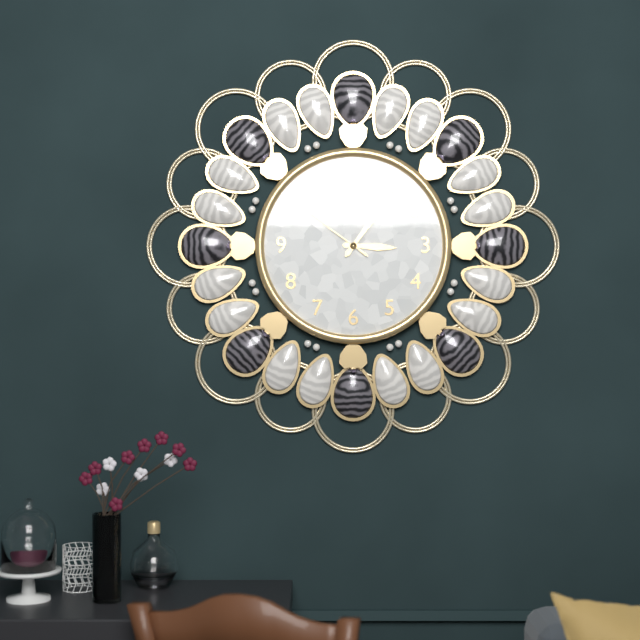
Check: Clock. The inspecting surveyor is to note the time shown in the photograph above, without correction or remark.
3:06:51
